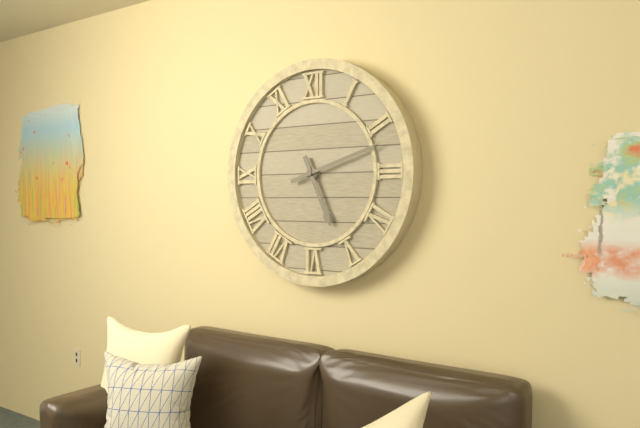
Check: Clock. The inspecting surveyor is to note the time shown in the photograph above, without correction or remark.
5:12
